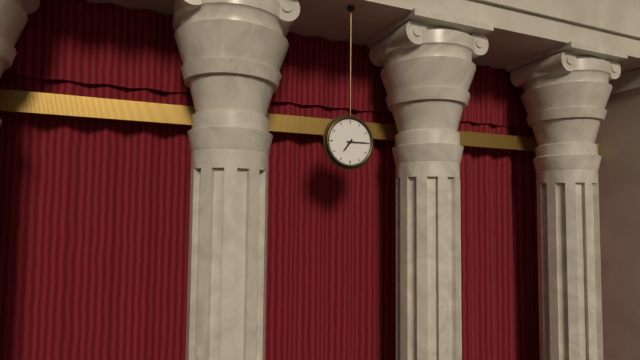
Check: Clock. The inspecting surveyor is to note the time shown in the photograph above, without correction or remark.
7:15
